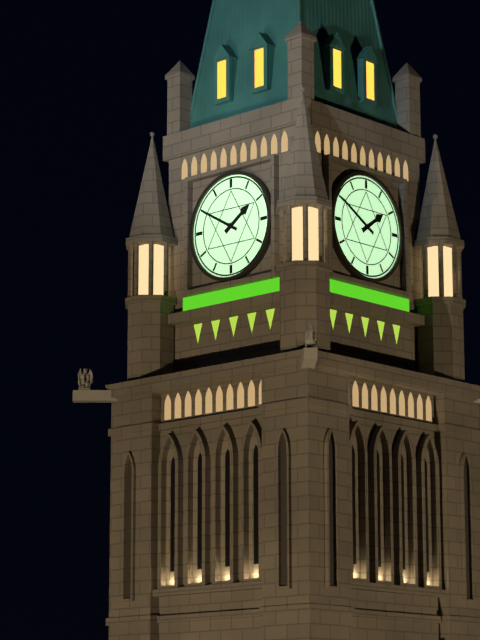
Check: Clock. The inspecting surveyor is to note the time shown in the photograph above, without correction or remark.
1:50
